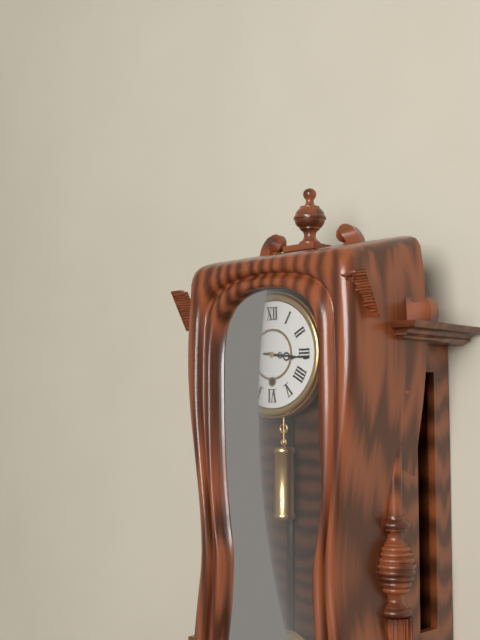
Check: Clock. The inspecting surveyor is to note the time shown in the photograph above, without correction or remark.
3:16
